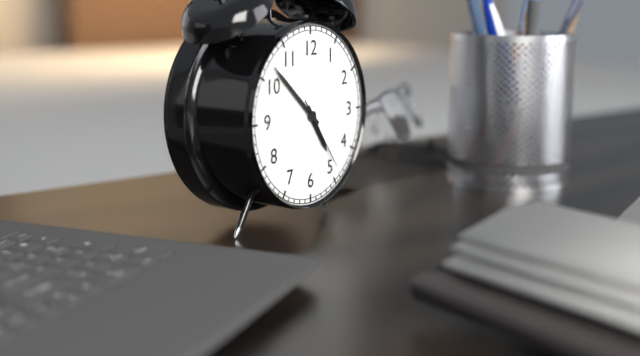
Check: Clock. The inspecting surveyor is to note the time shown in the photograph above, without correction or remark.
4:52:24
